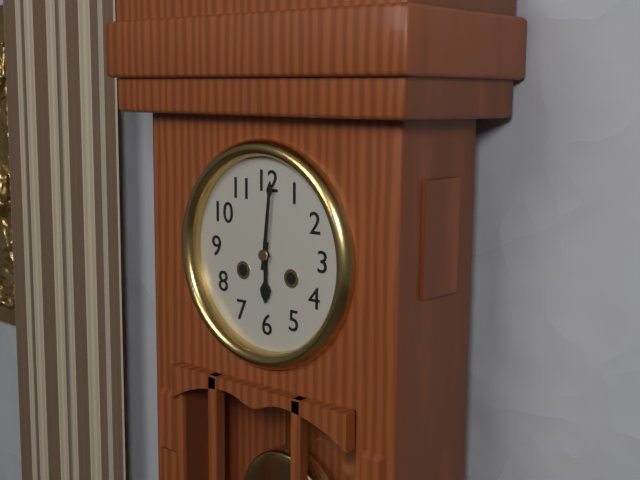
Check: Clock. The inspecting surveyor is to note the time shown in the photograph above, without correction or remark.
6:01
